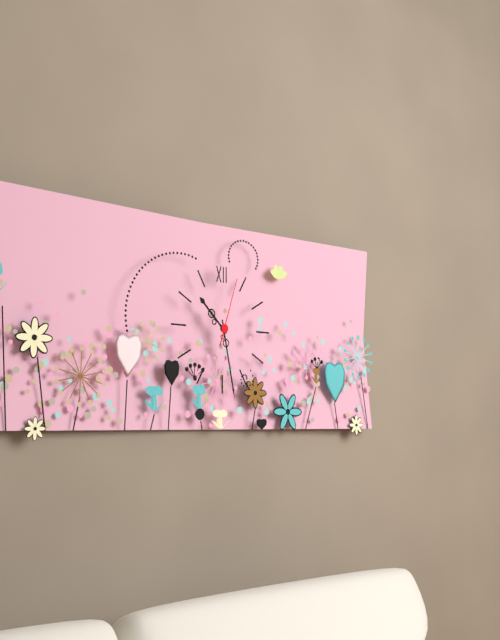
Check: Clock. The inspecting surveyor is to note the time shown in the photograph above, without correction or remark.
10:28:03
